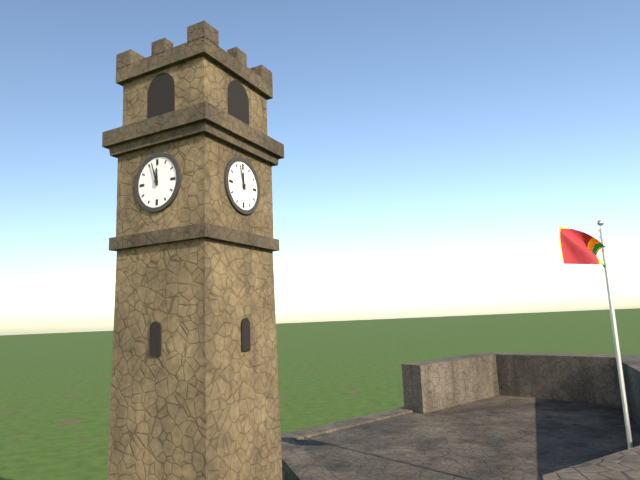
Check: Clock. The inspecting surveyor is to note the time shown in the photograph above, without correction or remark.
11:57
